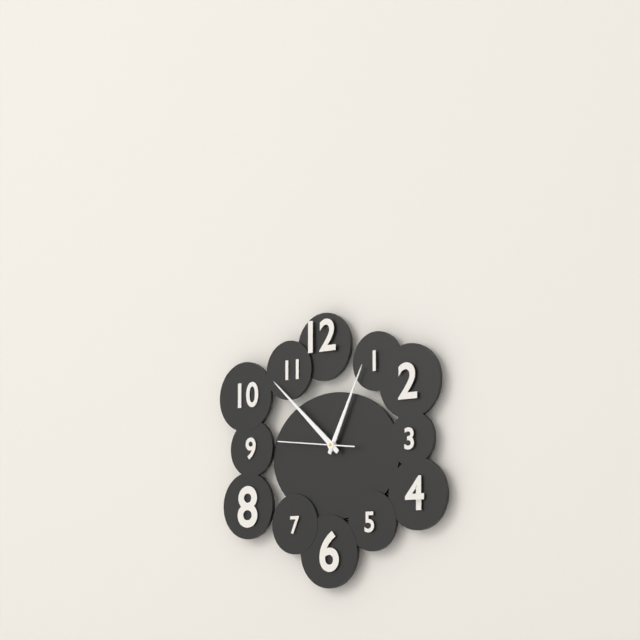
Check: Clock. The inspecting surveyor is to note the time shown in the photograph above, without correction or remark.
12:52:46
